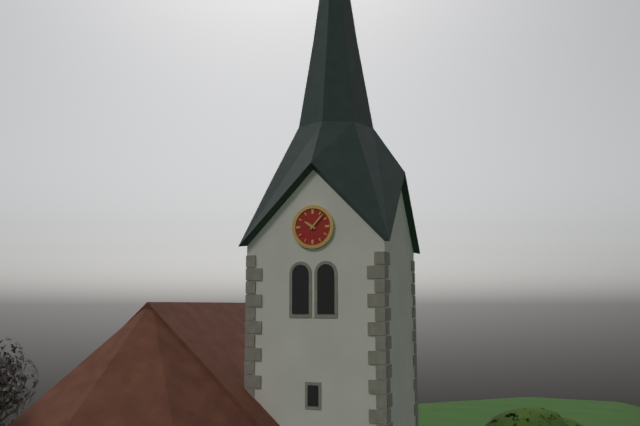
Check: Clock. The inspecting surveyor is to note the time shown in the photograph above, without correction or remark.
10:07
